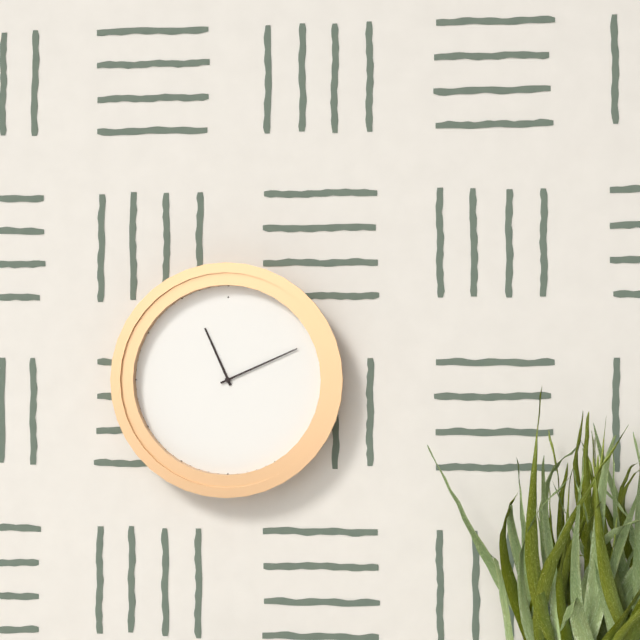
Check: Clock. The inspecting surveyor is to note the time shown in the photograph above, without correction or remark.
11:11
